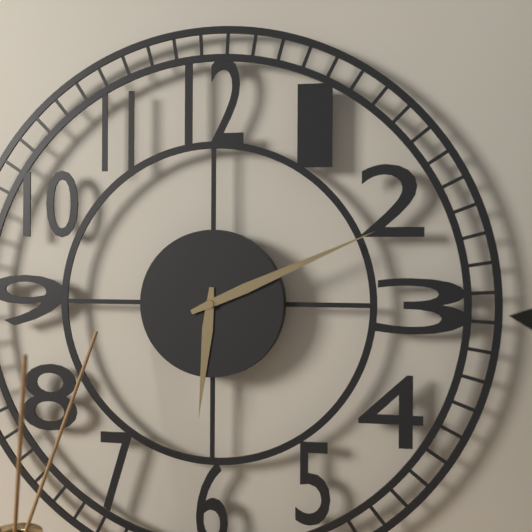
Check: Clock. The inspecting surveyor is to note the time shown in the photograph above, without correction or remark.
6:11
